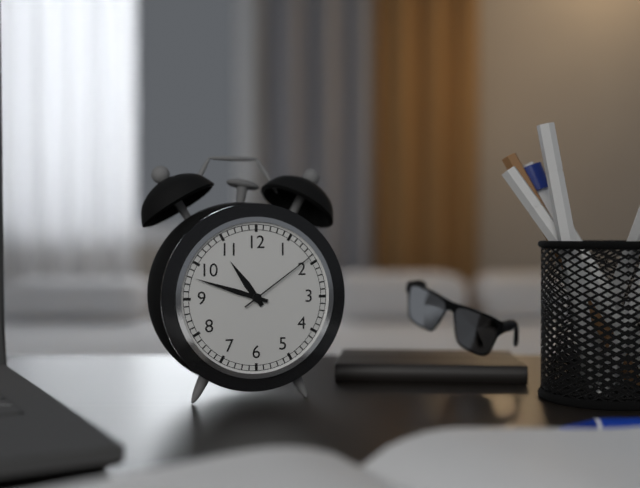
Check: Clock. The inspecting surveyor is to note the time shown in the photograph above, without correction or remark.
10:48:09
